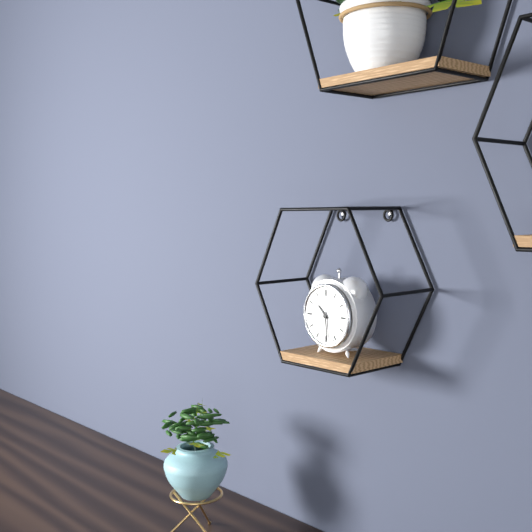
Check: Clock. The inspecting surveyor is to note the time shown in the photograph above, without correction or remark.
10:29
